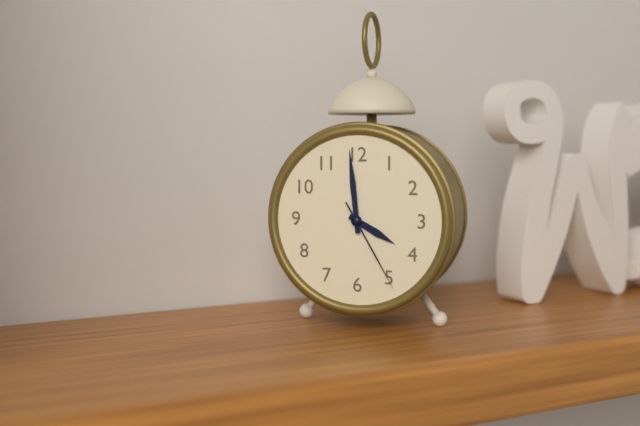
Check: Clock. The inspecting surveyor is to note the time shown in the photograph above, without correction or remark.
3:59:25
